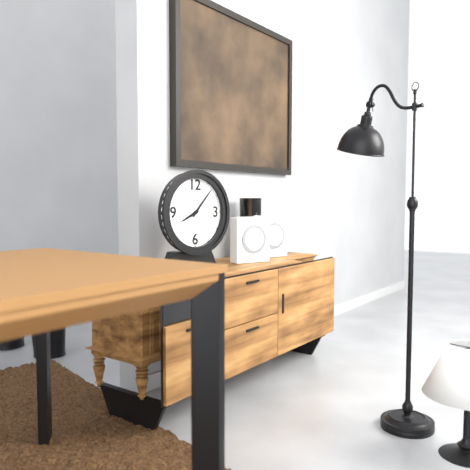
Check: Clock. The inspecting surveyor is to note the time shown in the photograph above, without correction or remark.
8:07
